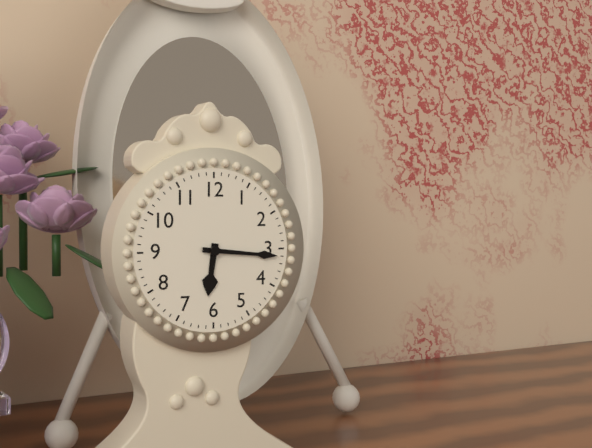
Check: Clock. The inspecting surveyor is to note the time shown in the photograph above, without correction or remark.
6:16
